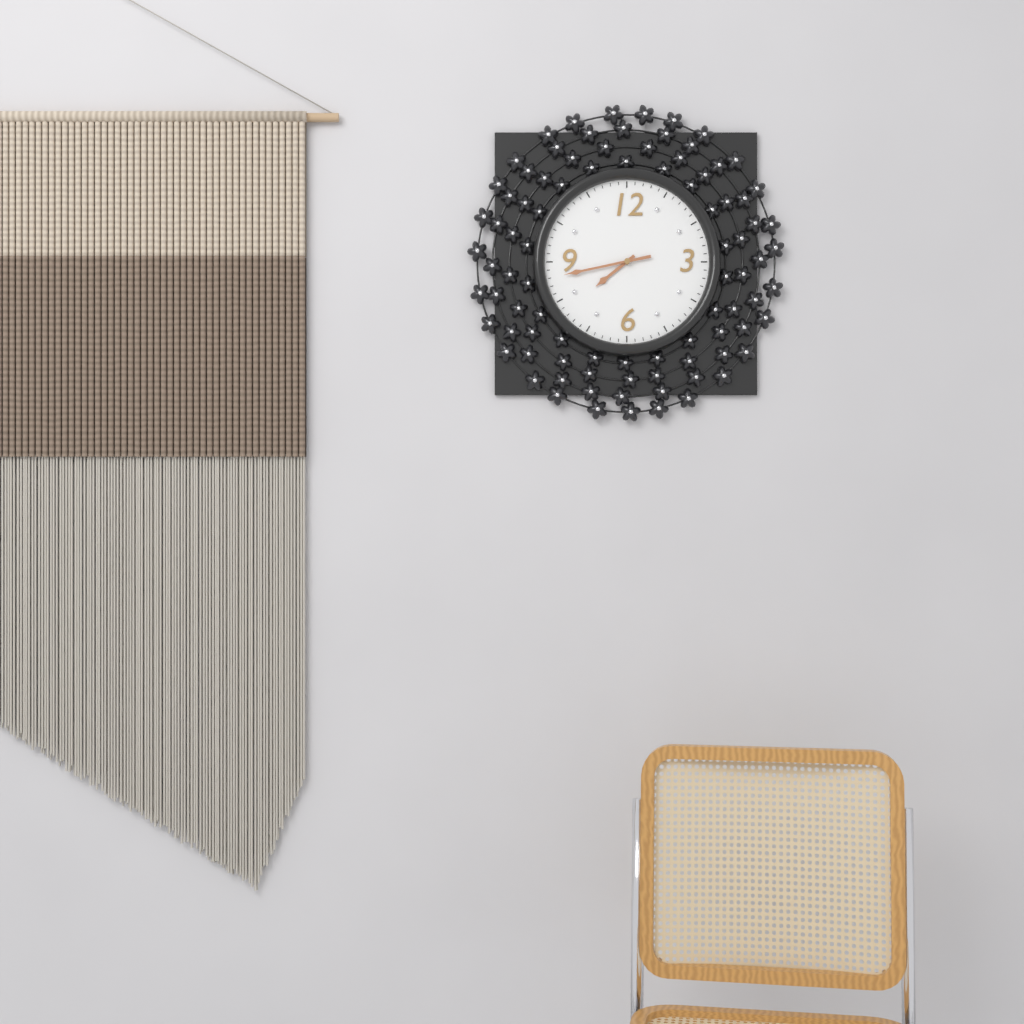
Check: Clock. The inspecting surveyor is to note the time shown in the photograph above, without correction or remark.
7:43
